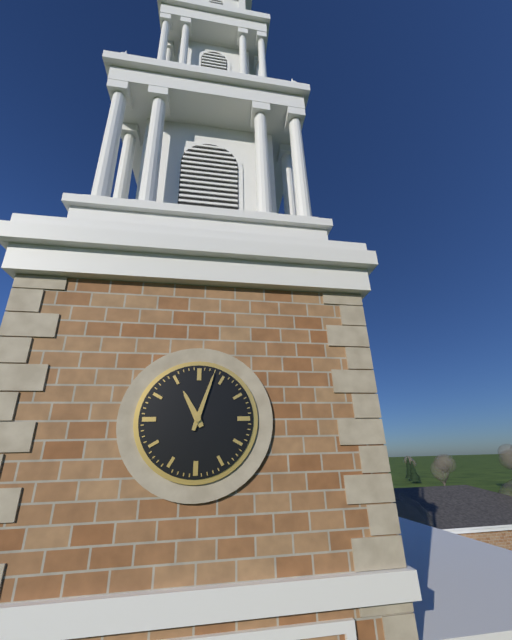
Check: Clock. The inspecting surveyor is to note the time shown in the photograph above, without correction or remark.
11:03
